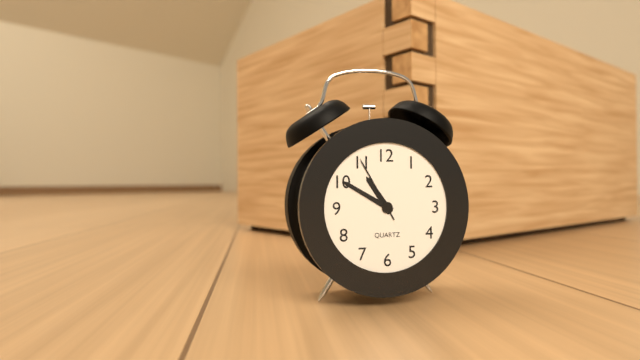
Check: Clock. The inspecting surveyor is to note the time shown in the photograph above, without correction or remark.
10:50:55
